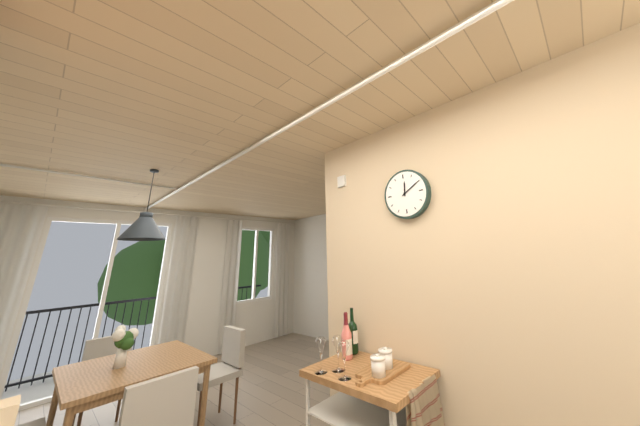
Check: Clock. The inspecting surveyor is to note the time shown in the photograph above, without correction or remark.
12:10
